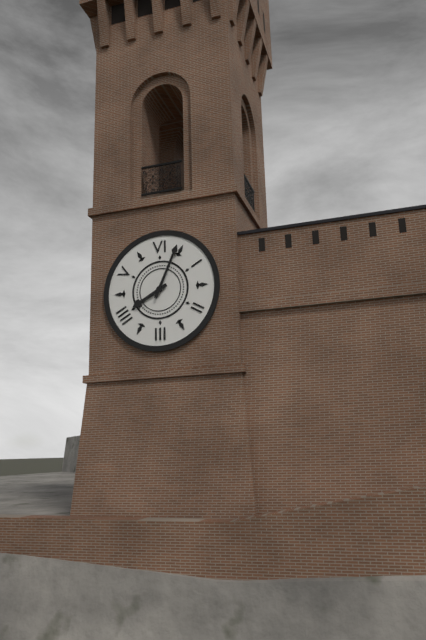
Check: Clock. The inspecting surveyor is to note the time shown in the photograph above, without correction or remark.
8:04
